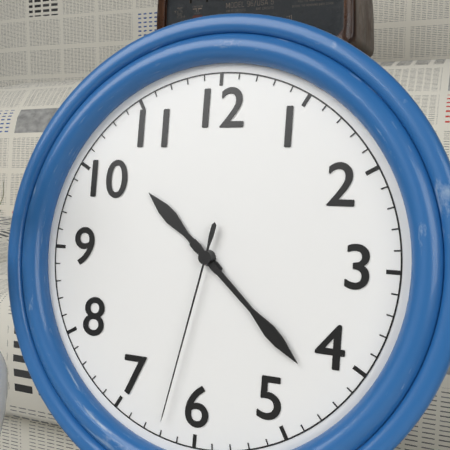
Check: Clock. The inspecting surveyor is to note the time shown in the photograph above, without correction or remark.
10:22:32
